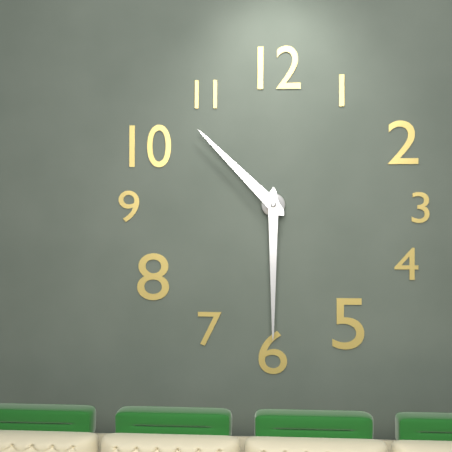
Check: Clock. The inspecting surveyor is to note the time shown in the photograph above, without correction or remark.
10:30
